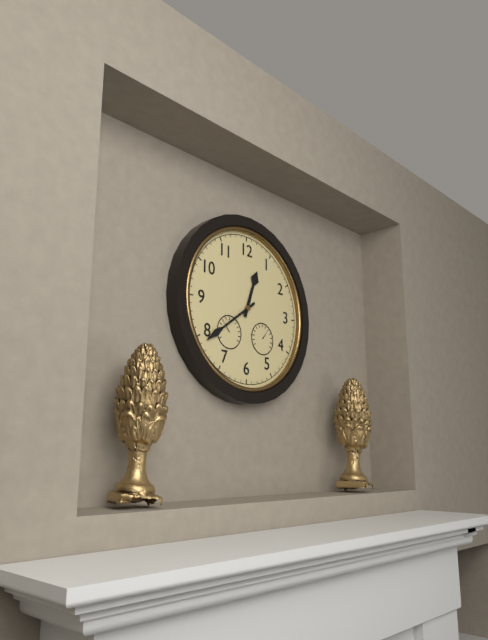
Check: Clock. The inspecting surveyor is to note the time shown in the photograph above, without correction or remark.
12:39
